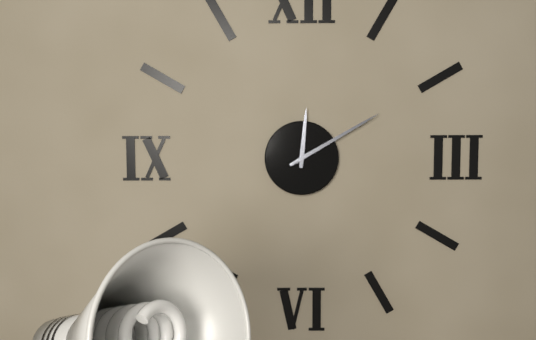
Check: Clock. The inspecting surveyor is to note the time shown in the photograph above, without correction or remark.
12:10
